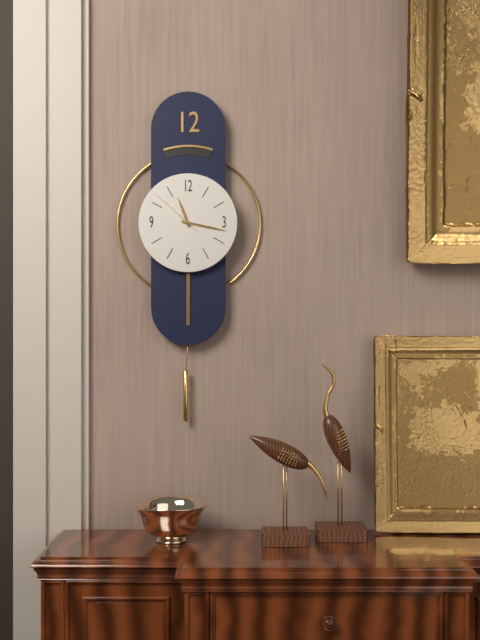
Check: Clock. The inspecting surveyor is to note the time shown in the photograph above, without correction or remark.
11:17:52
